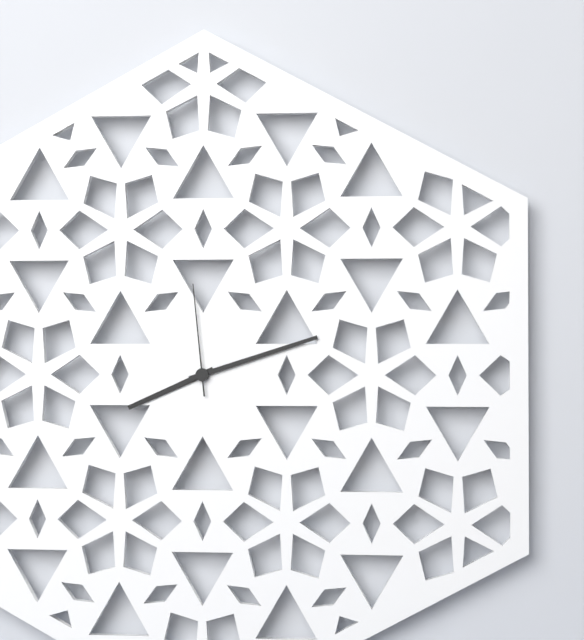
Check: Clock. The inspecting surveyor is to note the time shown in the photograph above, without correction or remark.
8:12:59
